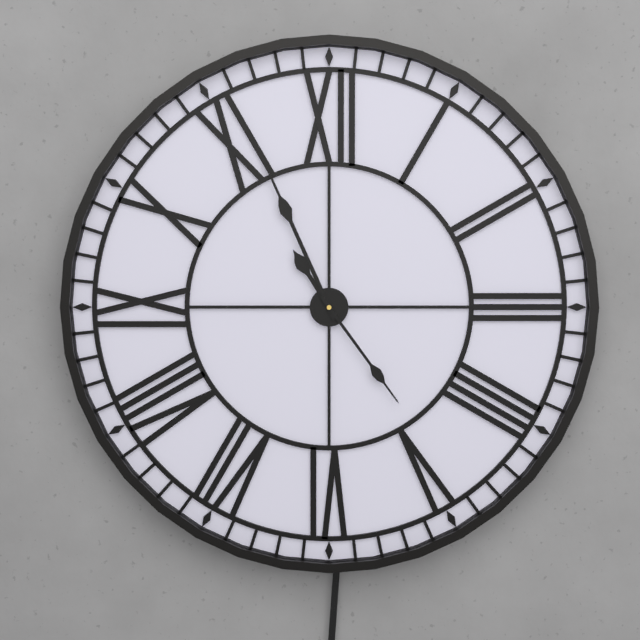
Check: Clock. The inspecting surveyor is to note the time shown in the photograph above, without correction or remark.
10:56:24
